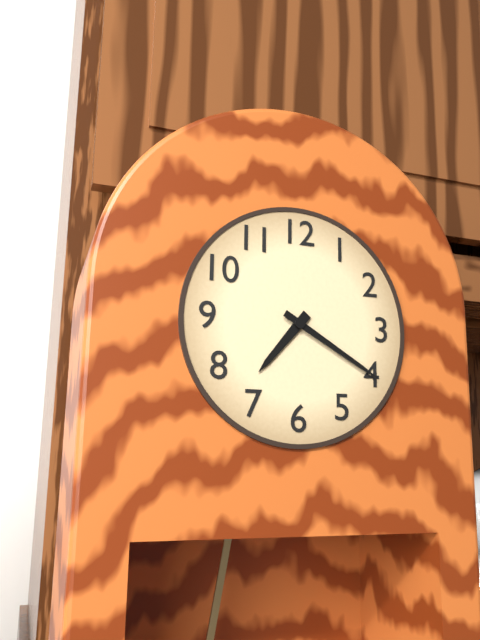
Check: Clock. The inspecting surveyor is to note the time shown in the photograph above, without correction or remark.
7:20
